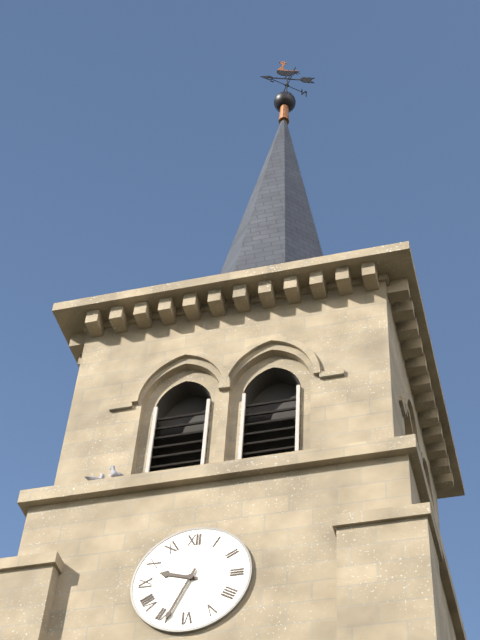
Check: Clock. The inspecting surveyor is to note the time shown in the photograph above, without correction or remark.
9:34
